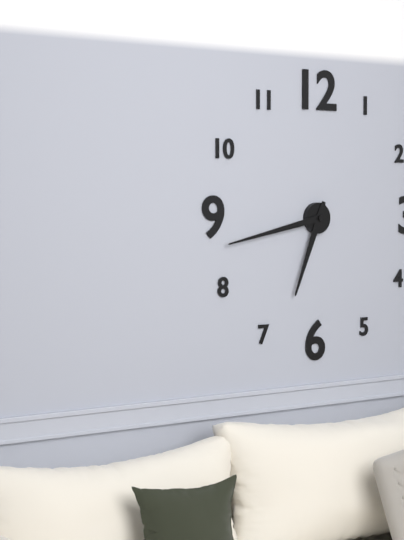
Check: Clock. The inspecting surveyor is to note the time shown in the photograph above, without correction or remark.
6:43
